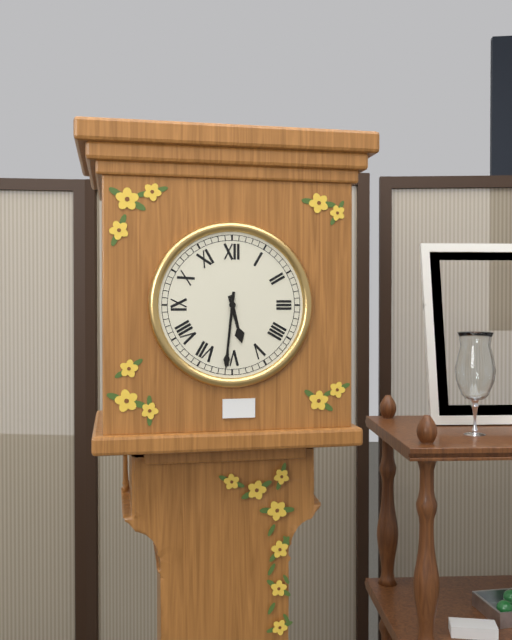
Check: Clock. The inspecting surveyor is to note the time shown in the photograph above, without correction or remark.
5:31
